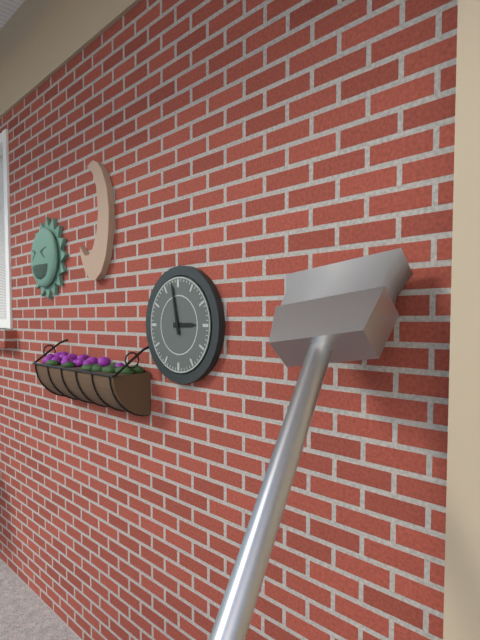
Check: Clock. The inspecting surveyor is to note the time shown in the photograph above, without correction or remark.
2:58
